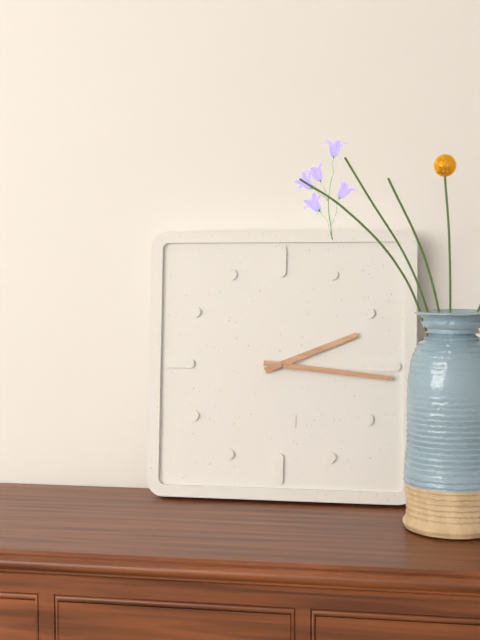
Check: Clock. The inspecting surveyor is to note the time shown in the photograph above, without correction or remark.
2:16
